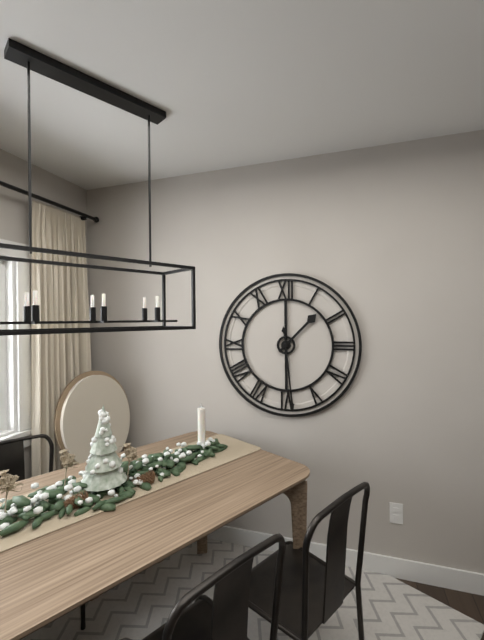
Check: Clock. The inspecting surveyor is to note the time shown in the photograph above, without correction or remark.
1:29
